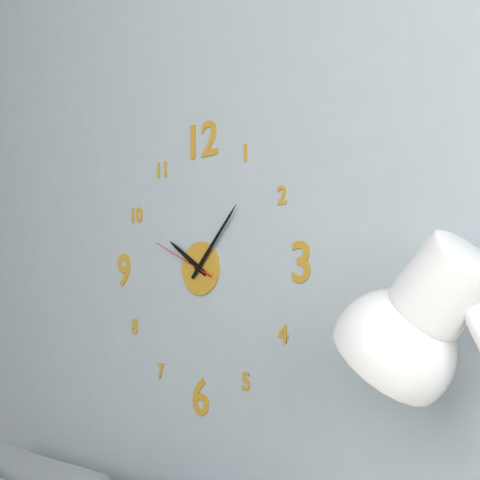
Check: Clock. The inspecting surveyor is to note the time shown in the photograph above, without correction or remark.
10:07:49
